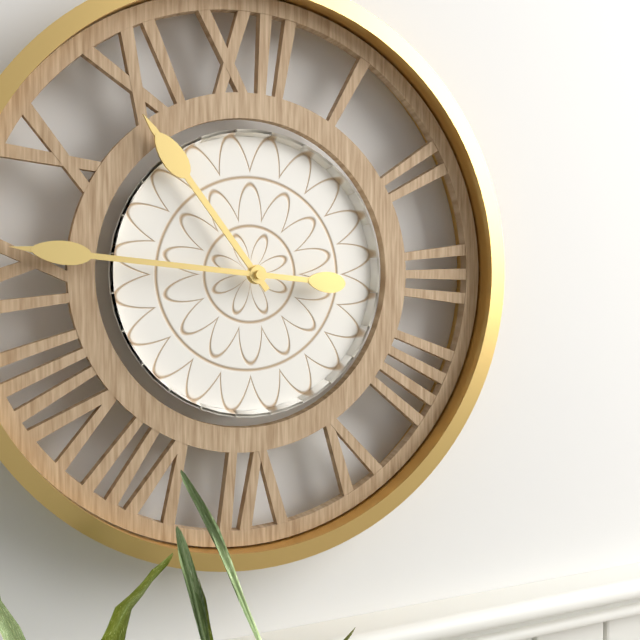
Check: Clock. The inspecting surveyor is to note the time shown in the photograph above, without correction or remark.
10:46
